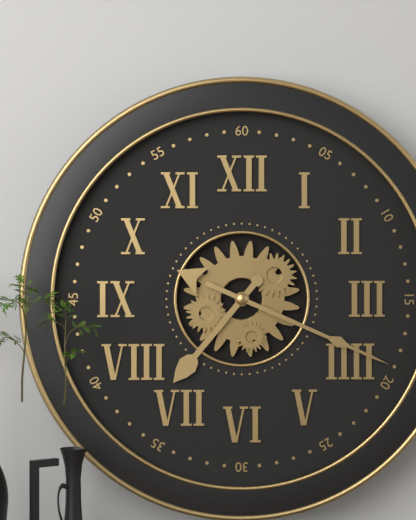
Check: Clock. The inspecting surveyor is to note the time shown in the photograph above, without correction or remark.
7:19
